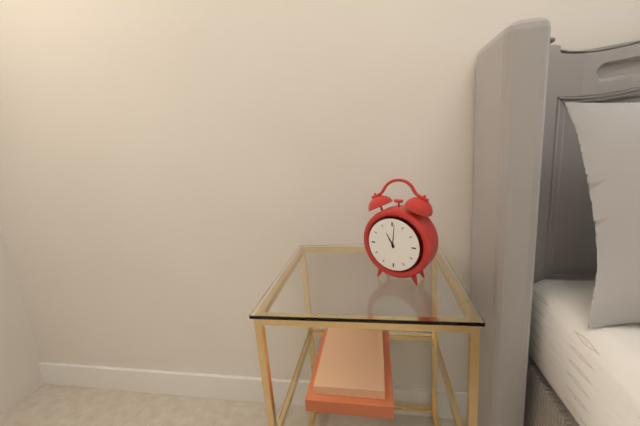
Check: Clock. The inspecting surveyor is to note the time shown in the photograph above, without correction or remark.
11:01
